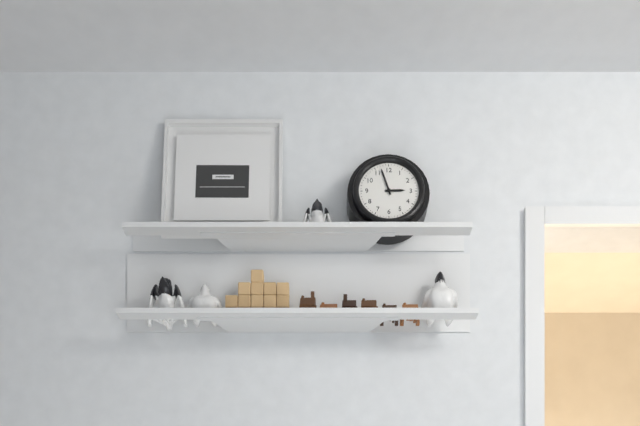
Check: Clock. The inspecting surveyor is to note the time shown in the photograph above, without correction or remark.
2:57
